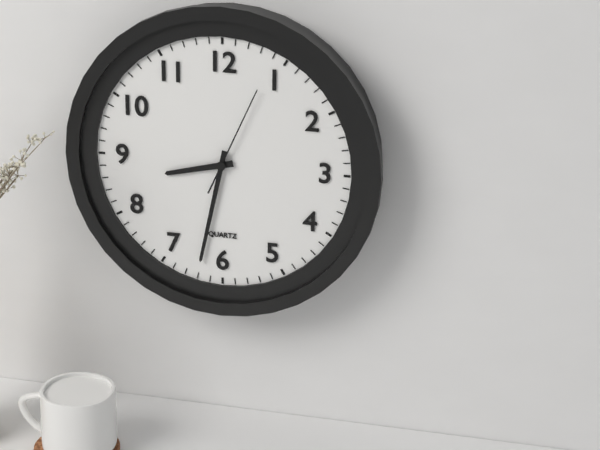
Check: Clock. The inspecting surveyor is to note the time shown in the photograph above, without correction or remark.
8:32:04
